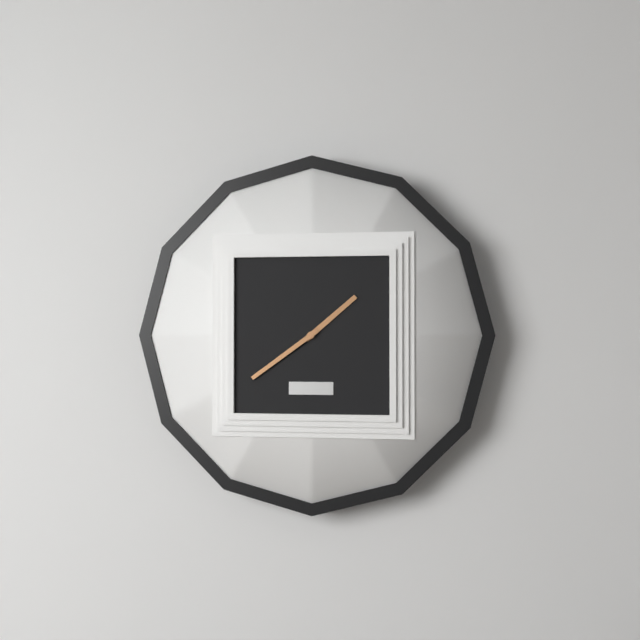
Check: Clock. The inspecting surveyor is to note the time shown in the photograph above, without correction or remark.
1:39
